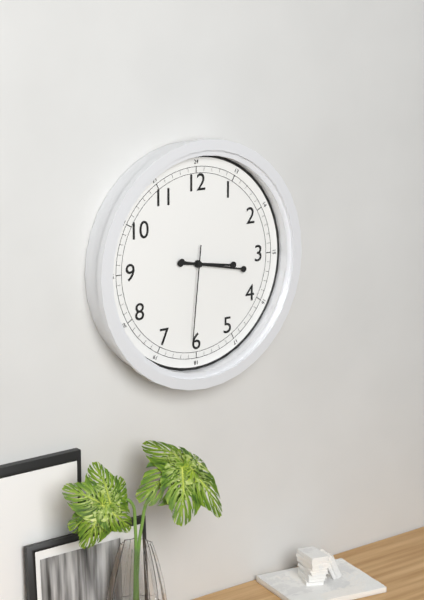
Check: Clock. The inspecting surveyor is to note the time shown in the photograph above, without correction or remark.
3:17:31
